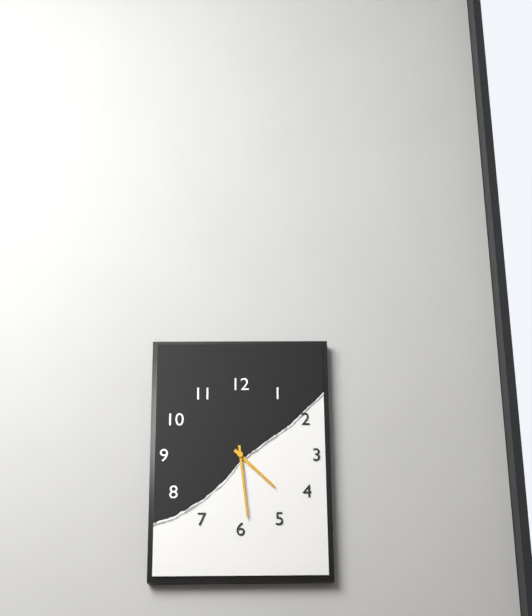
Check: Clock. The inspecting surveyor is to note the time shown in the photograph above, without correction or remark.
4:29
